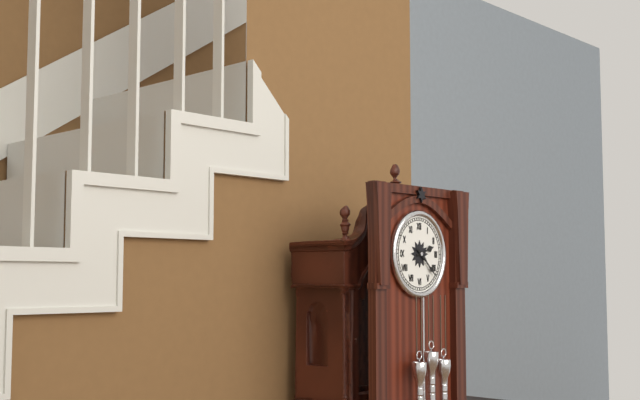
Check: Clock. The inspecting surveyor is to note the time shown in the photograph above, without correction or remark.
2:22
